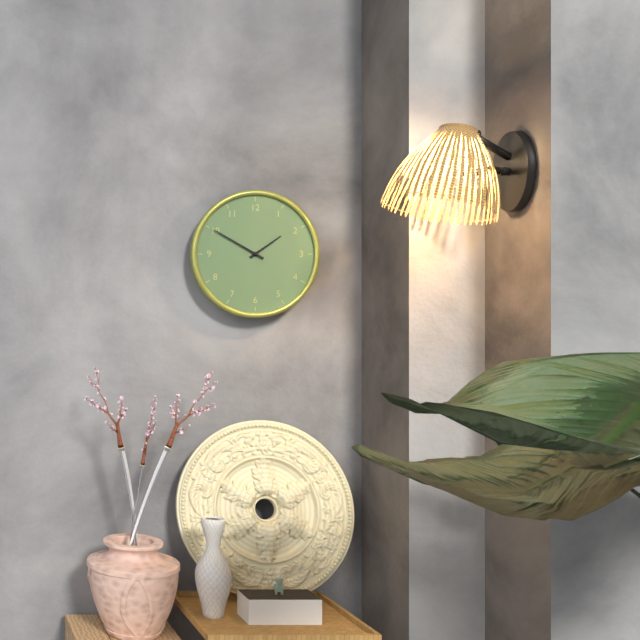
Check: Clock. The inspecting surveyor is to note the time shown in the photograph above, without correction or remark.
1:50
